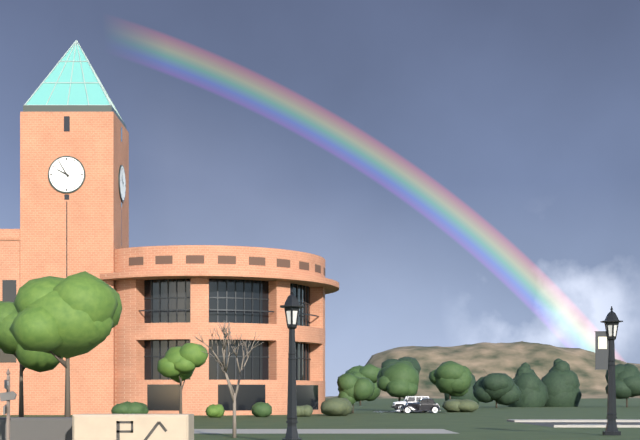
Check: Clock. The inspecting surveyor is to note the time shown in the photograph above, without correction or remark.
9:55
